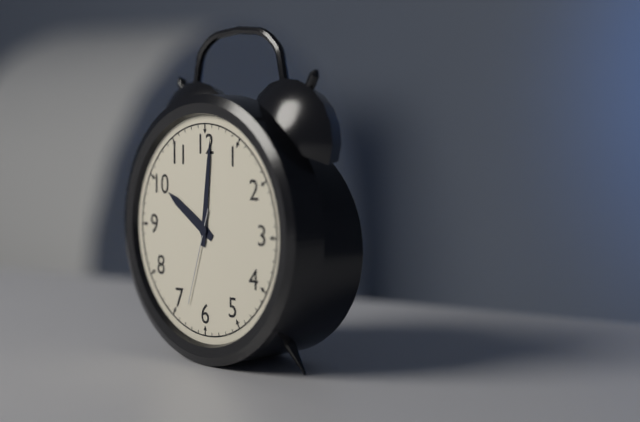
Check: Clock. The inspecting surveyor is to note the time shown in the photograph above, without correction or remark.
10:01:33
